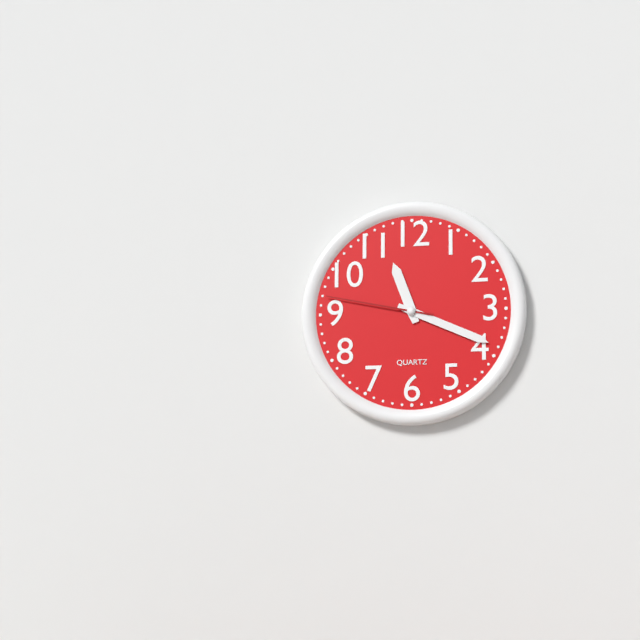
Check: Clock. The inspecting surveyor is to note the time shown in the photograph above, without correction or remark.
11:19:47
